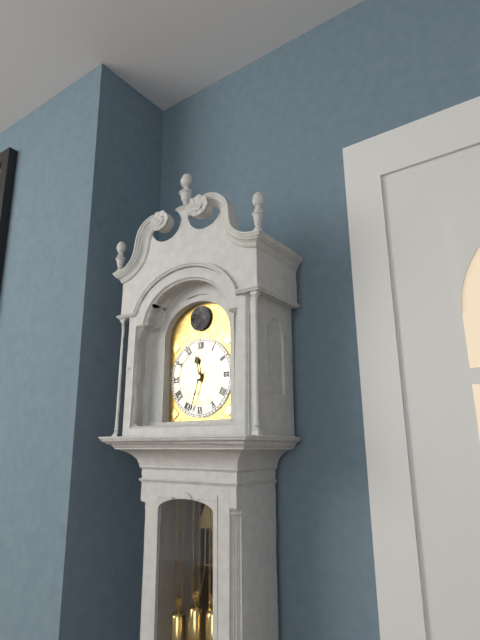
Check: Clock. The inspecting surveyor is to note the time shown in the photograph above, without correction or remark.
11:33
